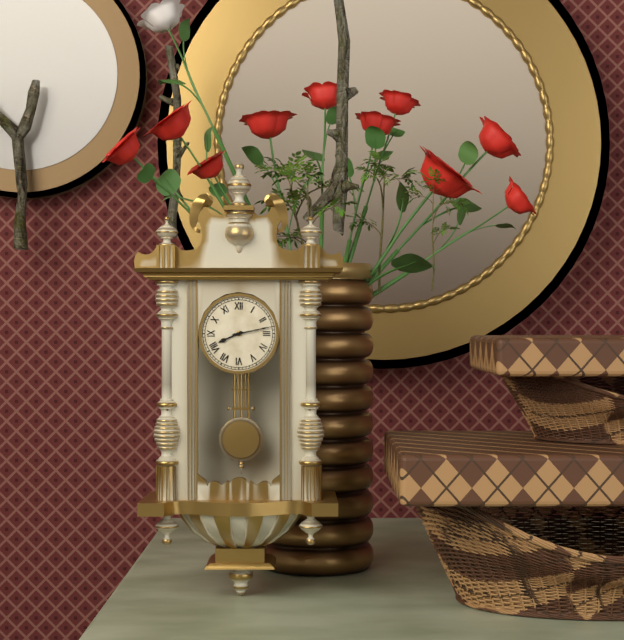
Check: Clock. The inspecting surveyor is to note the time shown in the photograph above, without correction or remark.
8:13
